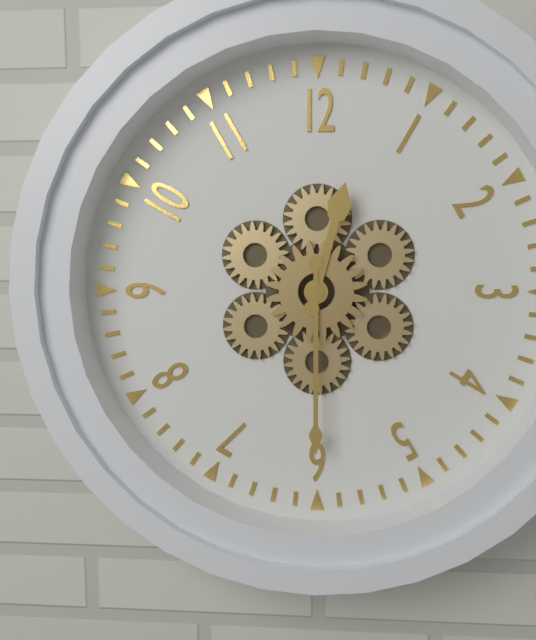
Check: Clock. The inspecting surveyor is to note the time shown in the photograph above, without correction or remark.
12:30
